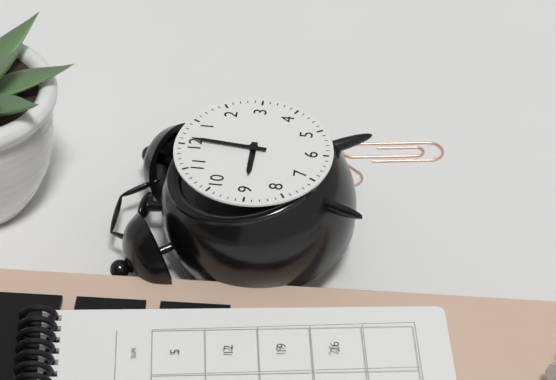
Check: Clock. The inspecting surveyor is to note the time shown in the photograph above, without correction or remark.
9:01
